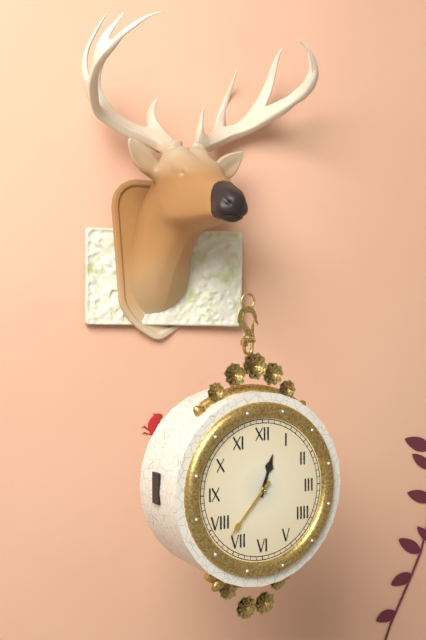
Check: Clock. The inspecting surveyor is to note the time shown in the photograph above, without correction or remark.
12:37
